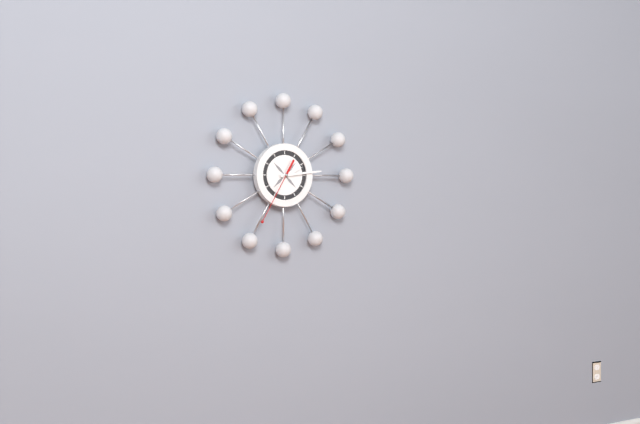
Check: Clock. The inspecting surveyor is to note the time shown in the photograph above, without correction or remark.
2:14:35
